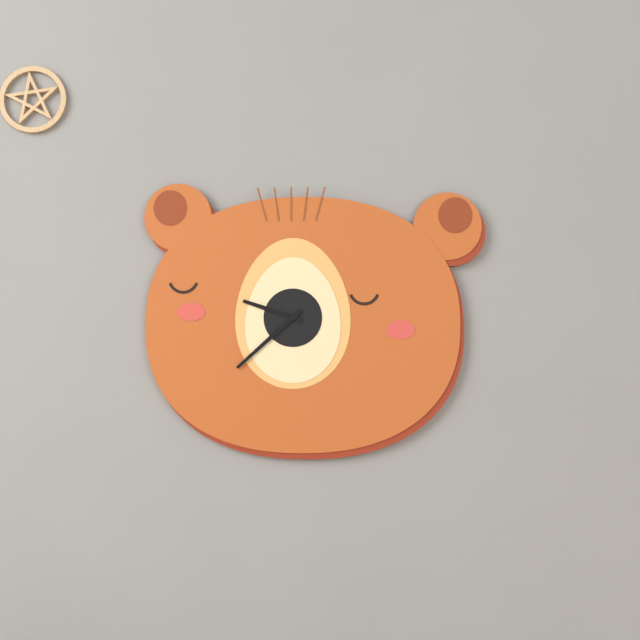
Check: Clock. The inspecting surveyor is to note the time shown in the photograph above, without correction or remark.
9:38
